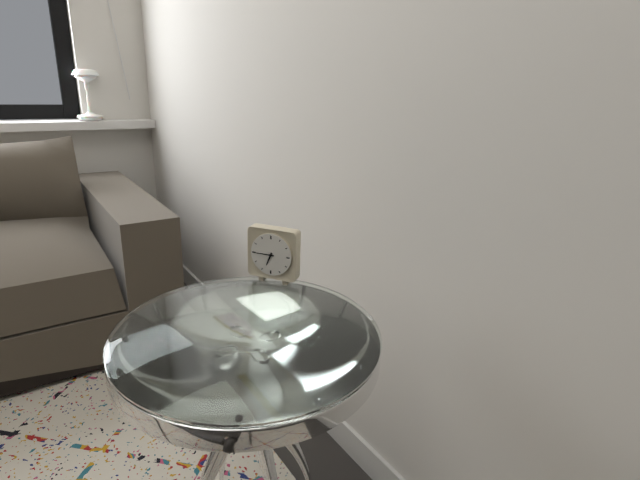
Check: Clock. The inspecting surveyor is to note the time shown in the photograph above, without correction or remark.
6:45
